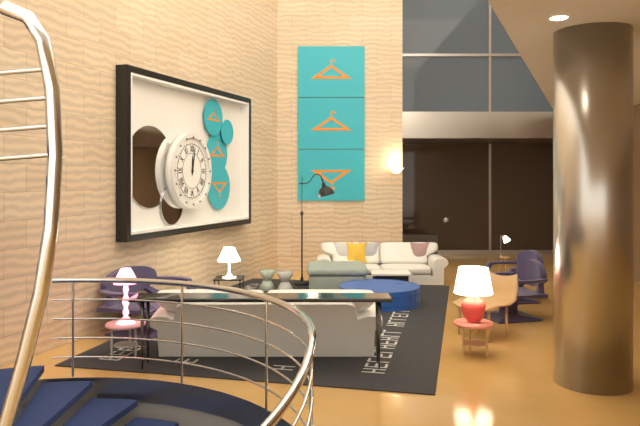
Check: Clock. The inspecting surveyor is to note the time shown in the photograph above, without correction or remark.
12:02
